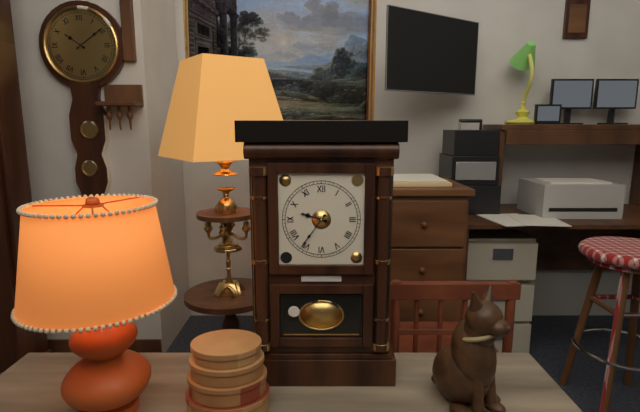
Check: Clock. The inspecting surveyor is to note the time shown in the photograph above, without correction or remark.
9:36
